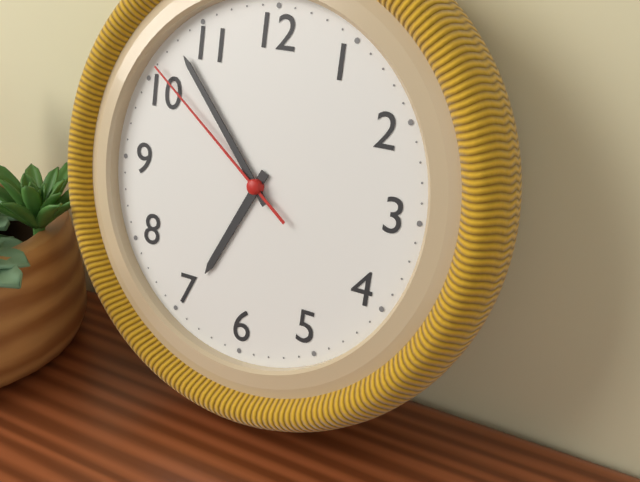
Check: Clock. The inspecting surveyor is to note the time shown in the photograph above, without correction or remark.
6:53:51
